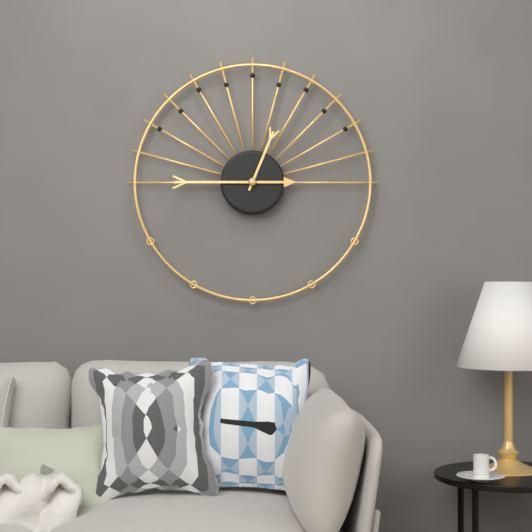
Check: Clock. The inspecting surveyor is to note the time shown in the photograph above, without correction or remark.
12:45
